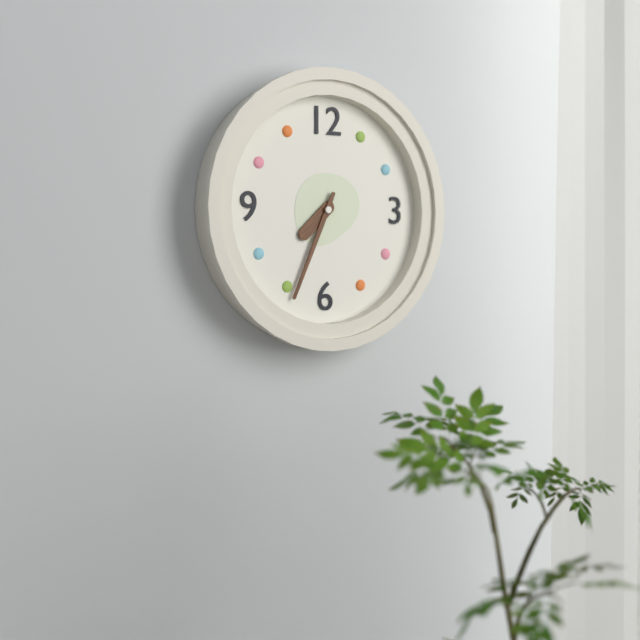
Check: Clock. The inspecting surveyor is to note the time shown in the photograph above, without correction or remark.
7:34
